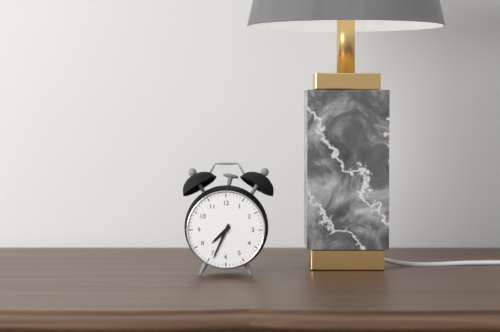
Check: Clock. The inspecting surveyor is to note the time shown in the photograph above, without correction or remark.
7:34
